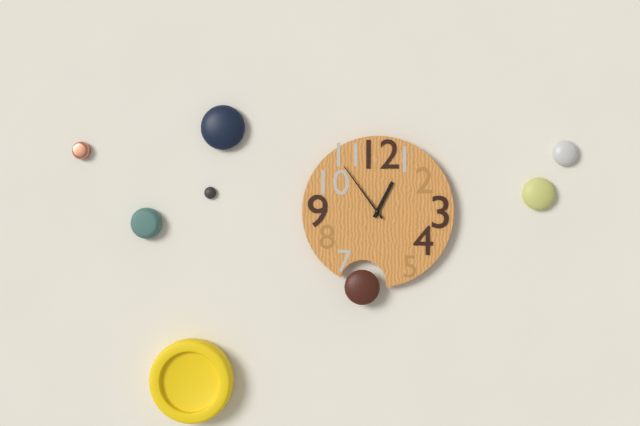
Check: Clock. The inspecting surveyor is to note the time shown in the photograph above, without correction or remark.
12:54
